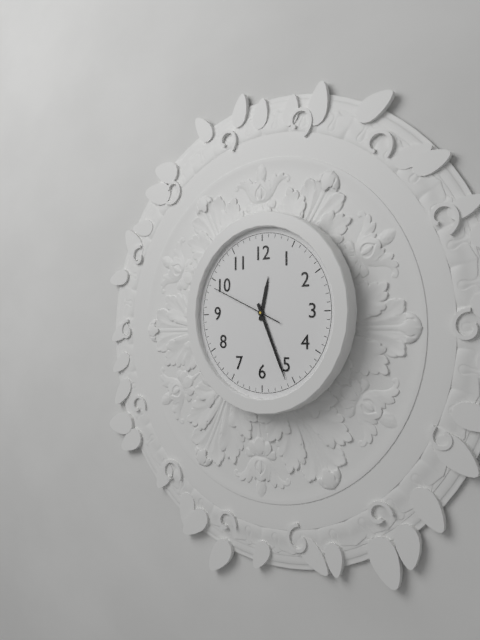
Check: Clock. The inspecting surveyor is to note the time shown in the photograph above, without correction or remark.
12:26:49
